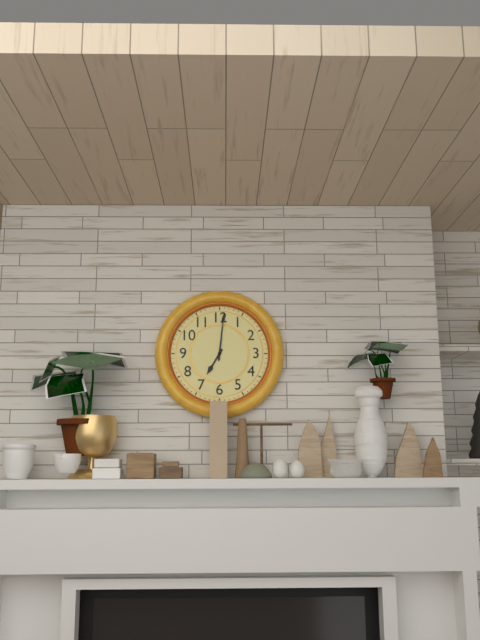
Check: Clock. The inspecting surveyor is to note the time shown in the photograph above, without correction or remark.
7:01
